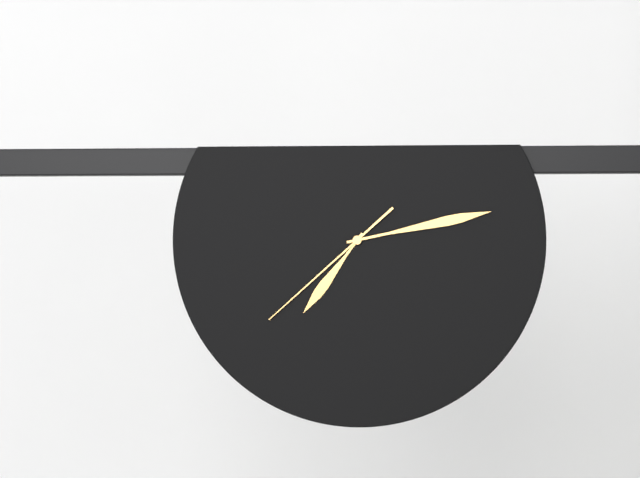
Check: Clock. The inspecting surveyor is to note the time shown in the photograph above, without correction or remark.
7:13:38
